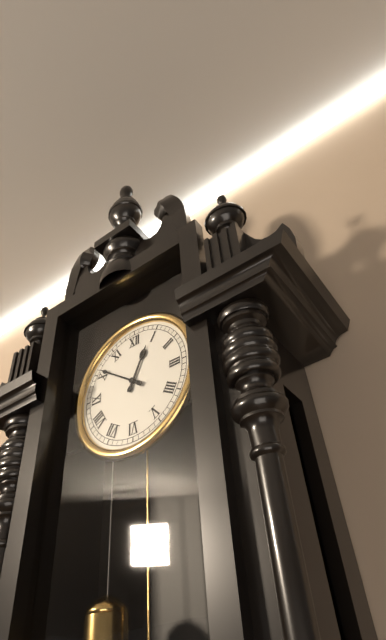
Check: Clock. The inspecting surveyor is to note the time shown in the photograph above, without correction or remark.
12:51
